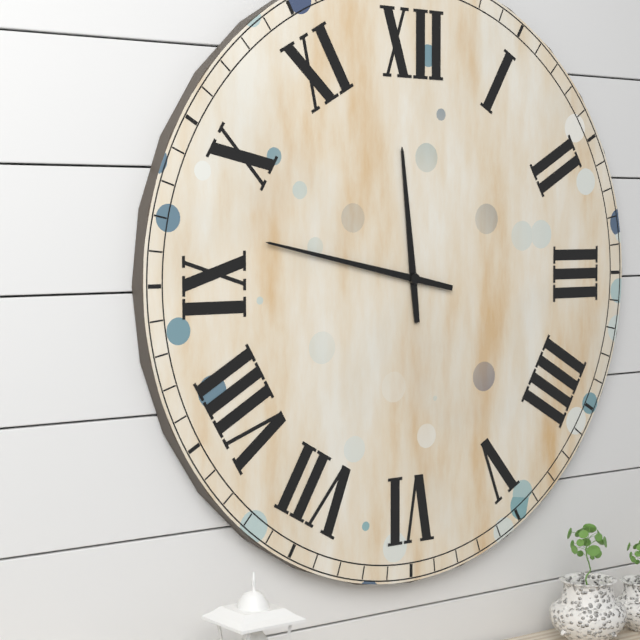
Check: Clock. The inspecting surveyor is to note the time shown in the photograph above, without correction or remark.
11:47
